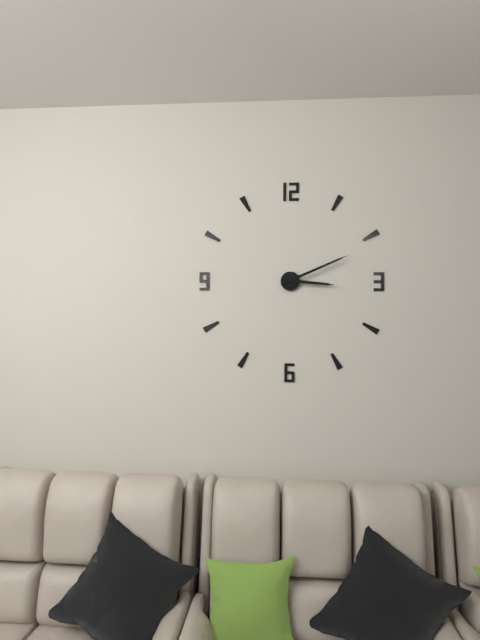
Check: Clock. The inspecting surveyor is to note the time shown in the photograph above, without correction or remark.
3:11
